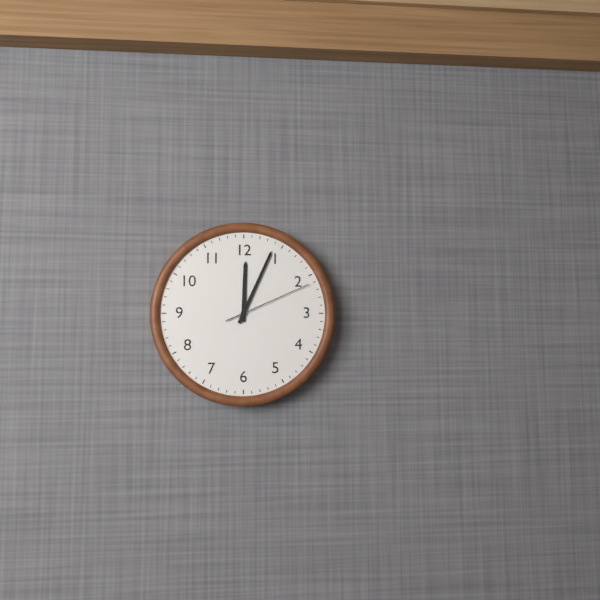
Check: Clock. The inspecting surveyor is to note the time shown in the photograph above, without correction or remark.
12:04:11
